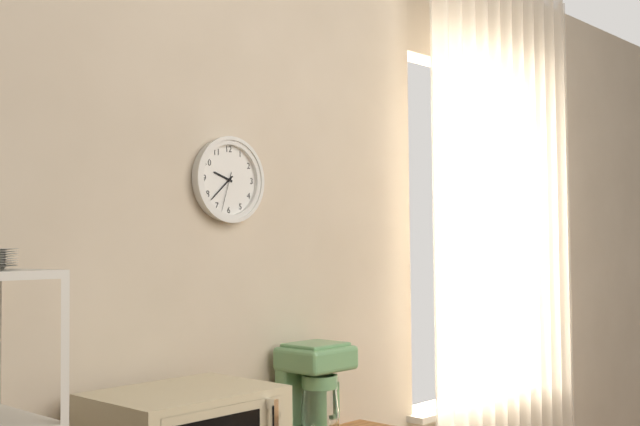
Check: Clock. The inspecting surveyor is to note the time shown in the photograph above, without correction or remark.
9:38
